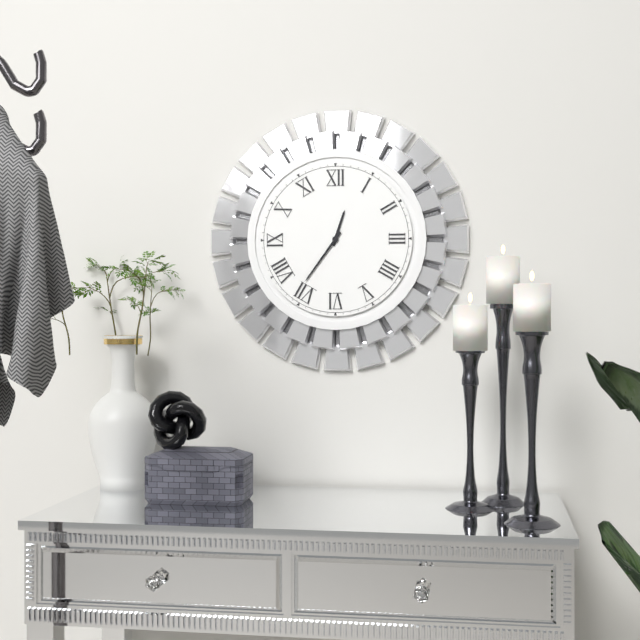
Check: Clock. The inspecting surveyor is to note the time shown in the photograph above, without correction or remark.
12:36
